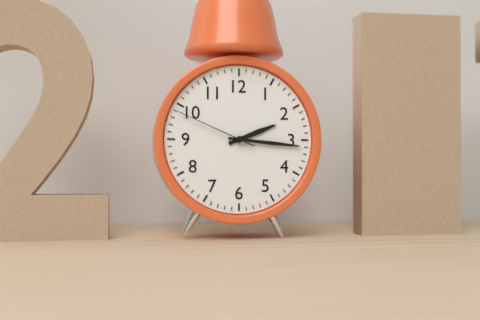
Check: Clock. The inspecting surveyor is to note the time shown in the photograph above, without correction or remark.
2:16:49
